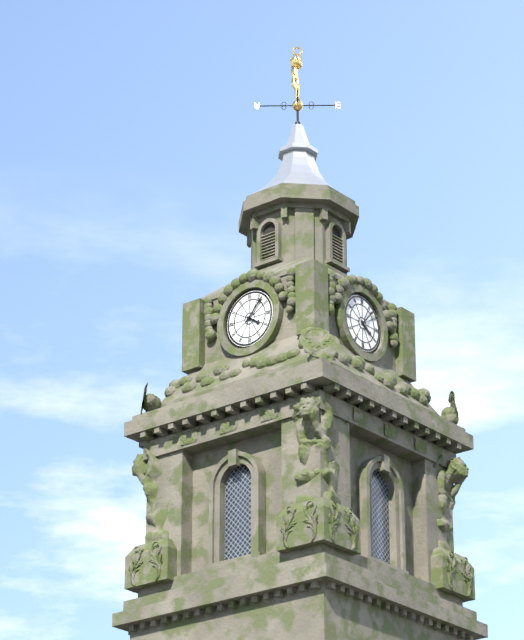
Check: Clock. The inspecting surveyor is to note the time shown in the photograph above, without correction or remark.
4:07
